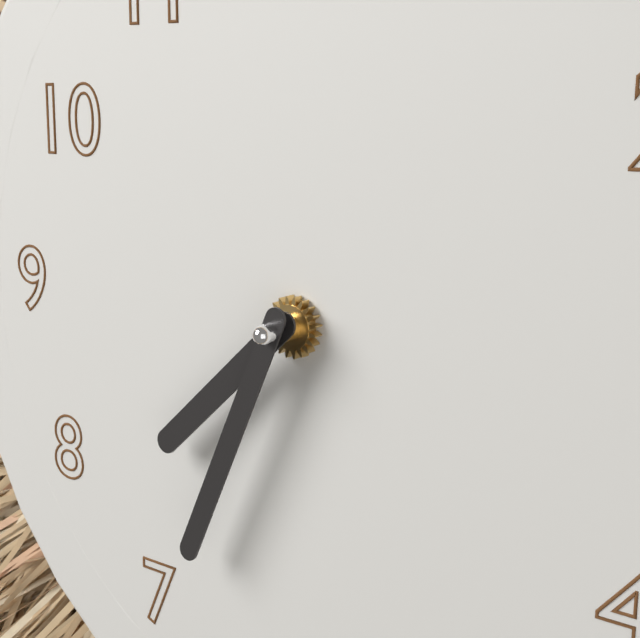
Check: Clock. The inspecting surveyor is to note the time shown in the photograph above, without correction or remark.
7:34
